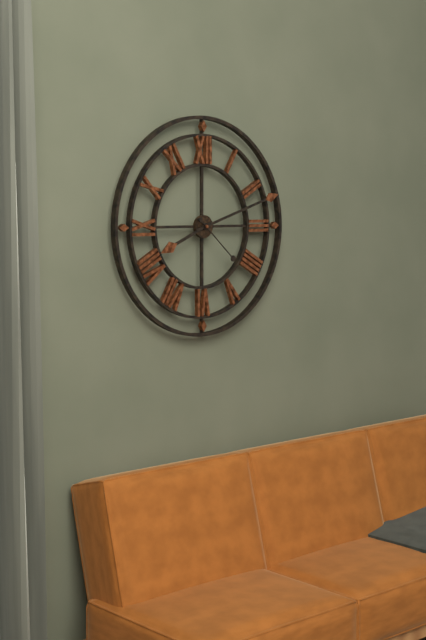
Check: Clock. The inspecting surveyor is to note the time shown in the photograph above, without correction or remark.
8:12:22
